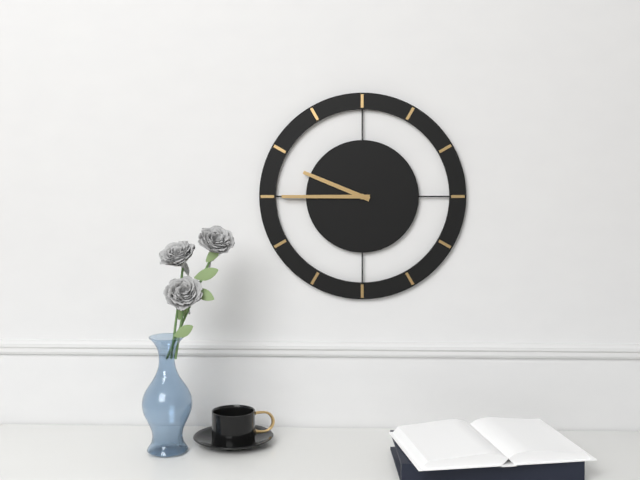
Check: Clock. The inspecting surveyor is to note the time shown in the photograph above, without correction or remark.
9:45
